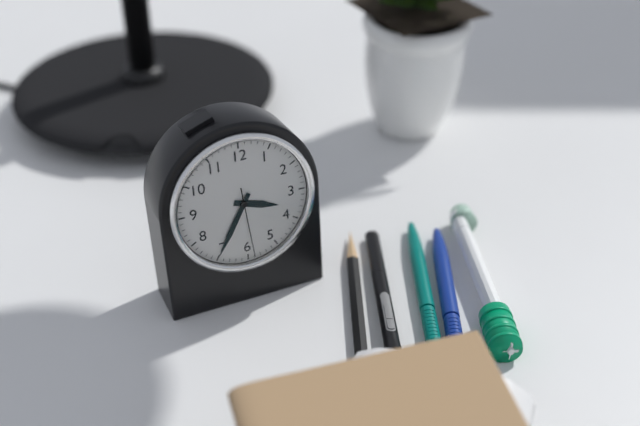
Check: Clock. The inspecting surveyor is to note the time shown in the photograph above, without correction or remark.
3:35:29
